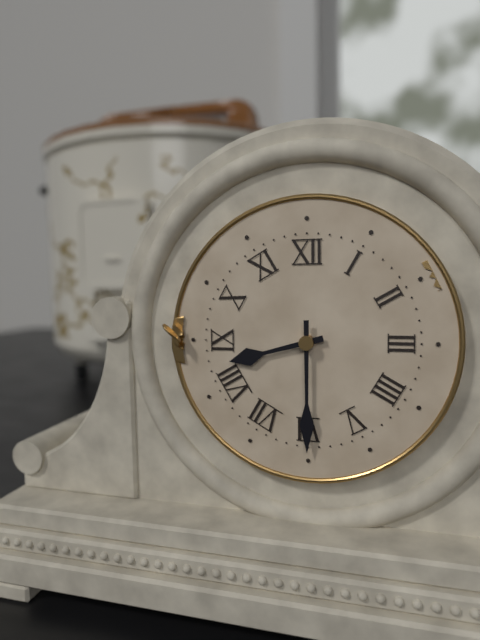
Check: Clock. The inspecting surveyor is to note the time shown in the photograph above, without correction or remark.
8:30
